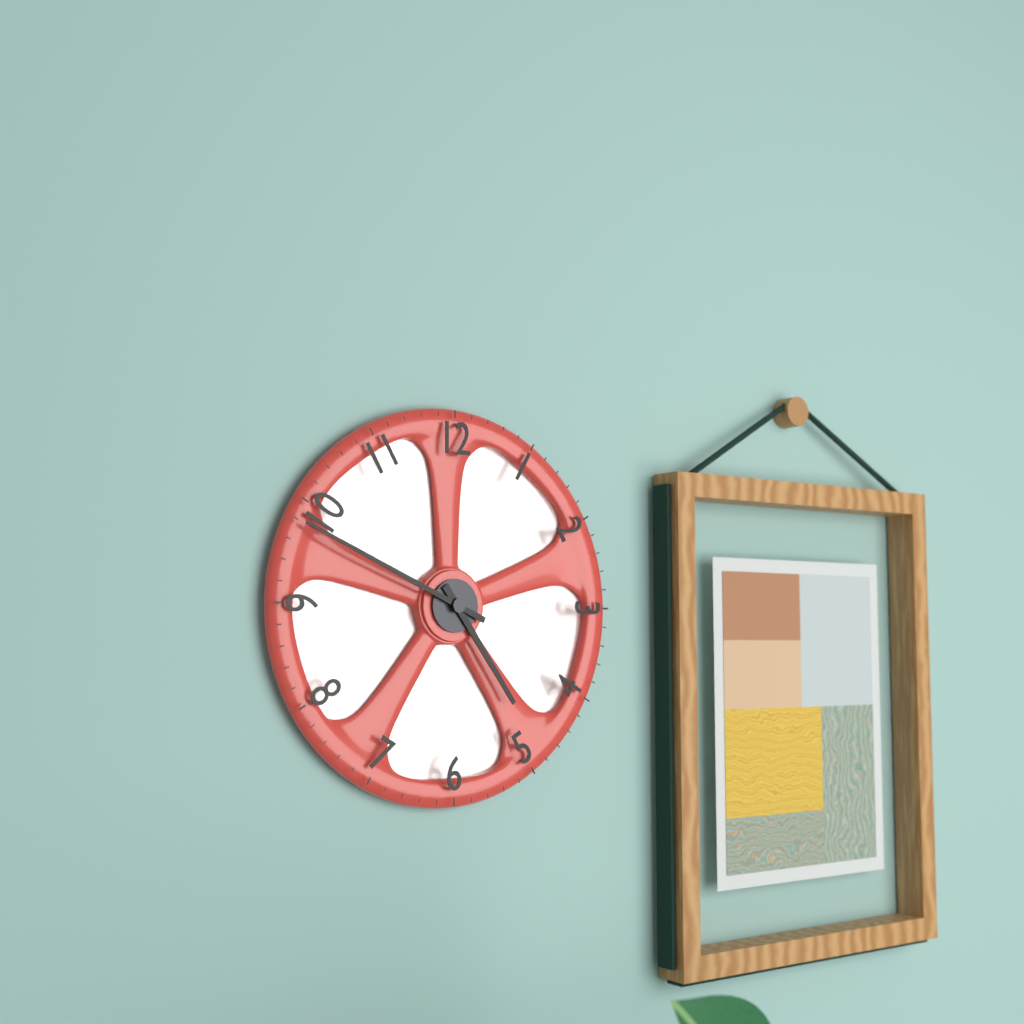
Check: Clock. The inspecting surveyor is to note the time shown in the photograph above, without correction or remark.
4:49
